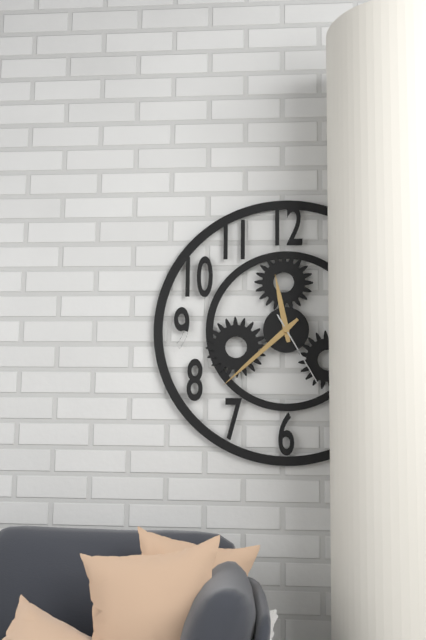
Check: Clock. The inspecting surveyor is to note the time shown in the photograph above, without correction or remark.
11:38:25
